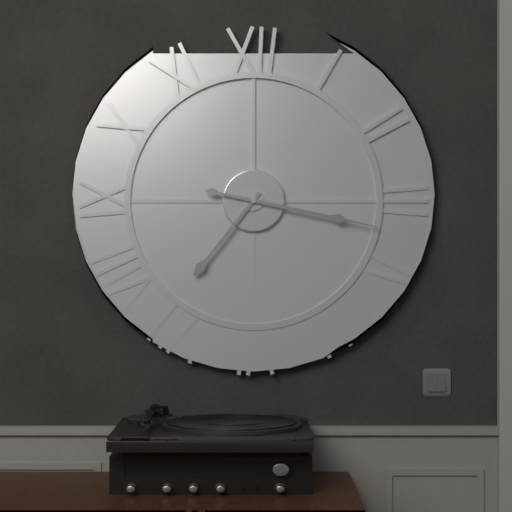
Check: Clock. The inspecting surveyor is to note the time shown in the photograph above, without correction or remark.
7:17
